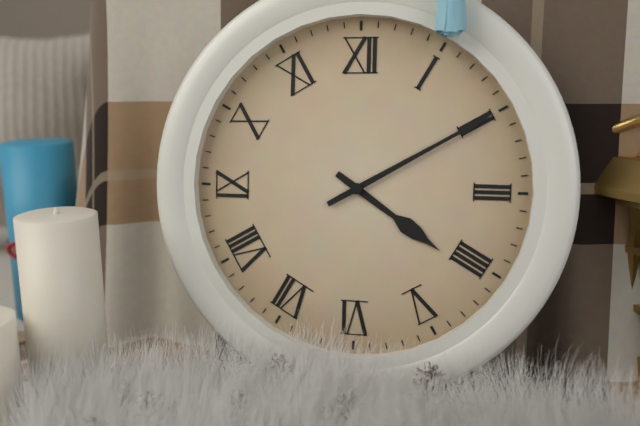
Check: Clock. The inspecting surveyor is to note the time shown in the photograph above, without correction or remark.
4:10
